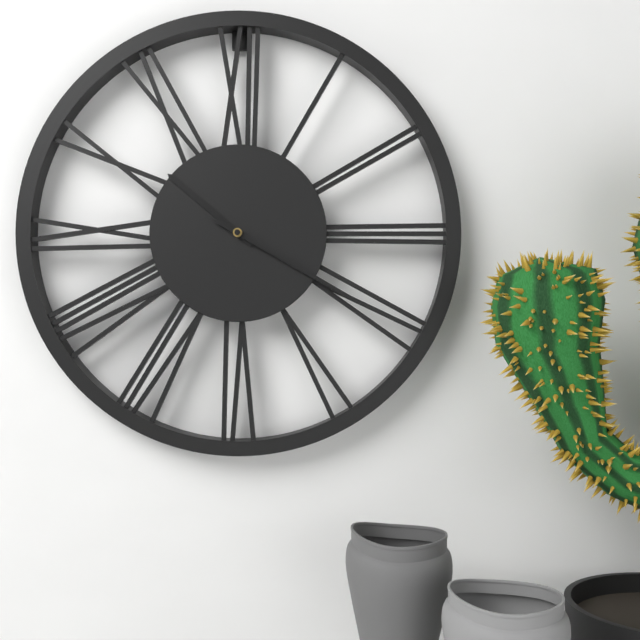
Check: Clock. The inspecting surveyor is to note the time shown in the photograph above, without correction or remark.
10:20
